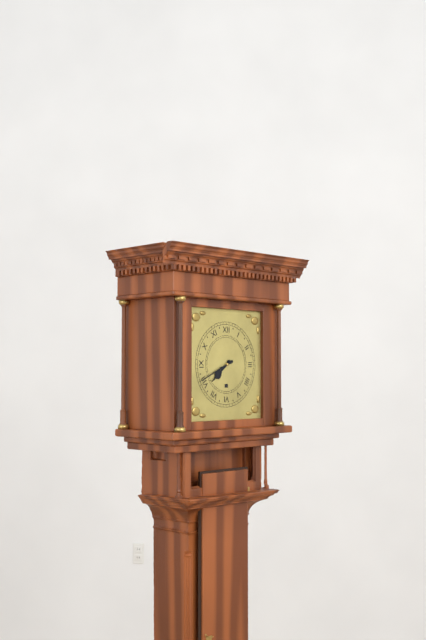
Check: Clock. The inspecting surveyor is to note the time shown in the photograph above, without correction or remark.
7:41
